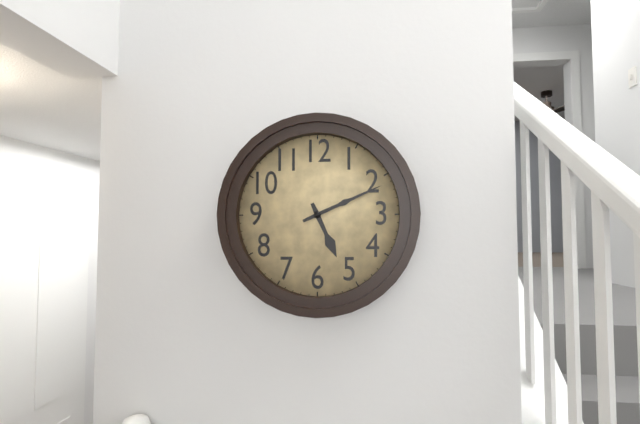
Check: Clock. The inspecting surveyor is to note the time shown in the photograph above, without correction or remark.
5:11
